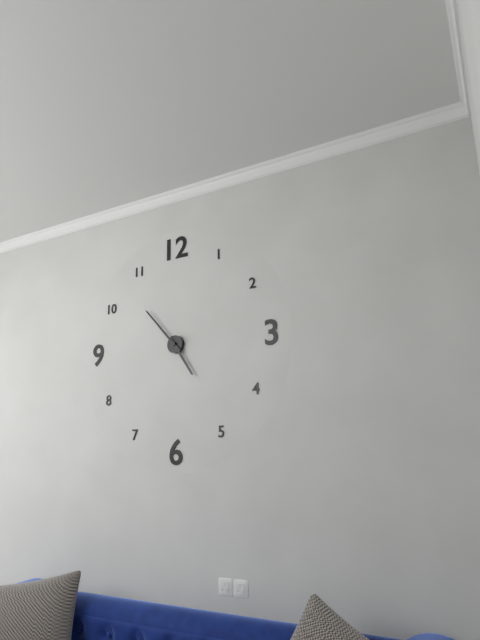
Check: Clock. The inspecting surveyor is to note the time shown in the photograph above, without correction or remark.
4:53
